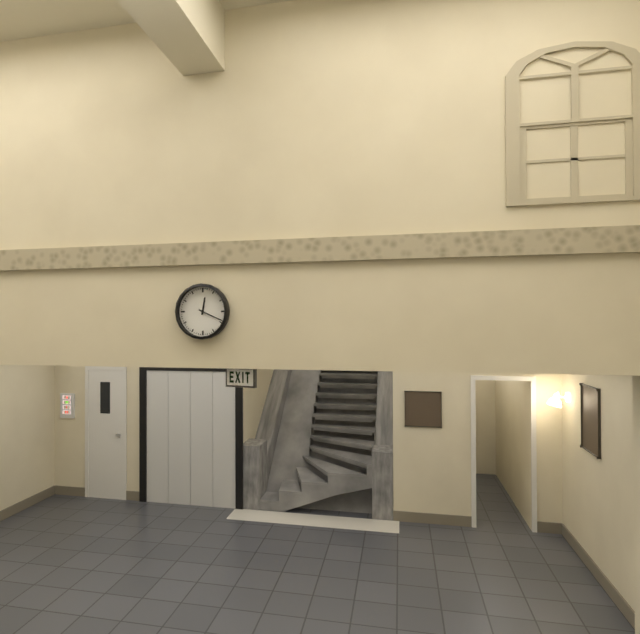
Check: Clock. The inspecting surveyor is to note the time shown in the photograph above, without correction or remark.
12:19
